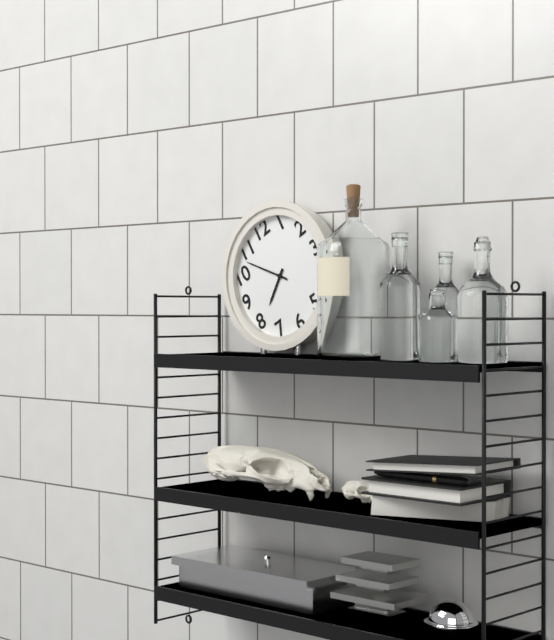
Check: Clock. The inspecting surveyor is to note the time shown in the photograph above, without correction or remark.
7:53
